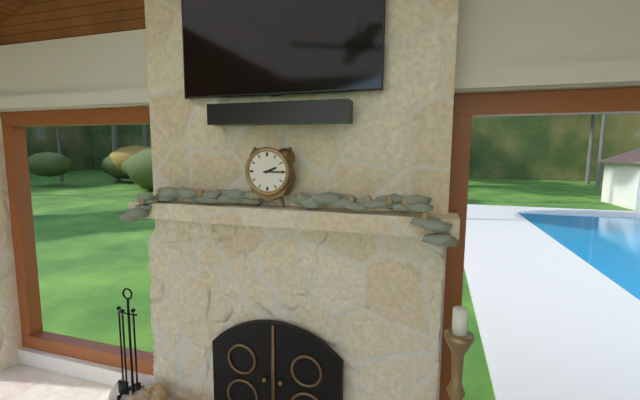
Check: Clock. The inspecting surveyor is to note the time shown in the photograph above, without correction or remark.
2:15
